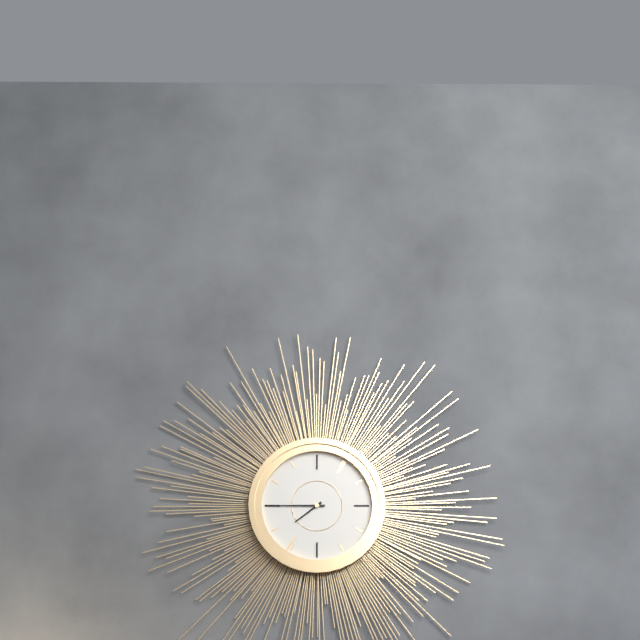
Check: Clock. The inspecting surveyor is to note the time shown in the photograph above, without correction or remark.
7:45
